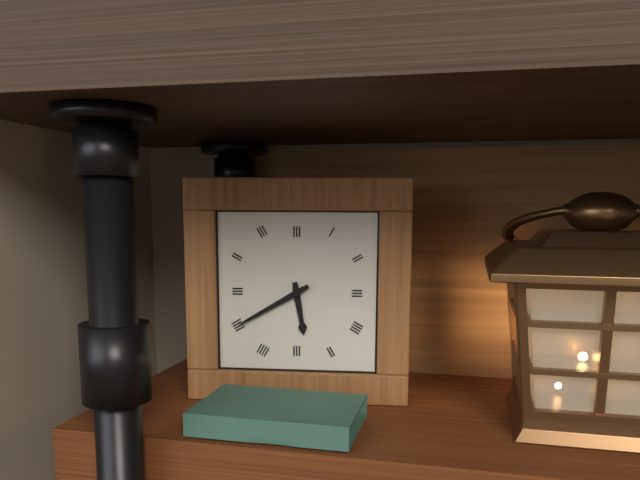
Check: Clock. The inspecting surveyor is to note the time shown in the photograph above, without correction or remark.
5:40
